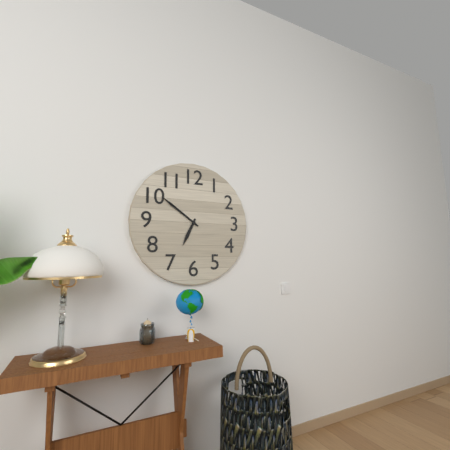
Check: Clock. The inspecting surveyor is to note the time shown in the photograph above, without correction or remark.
6:51
